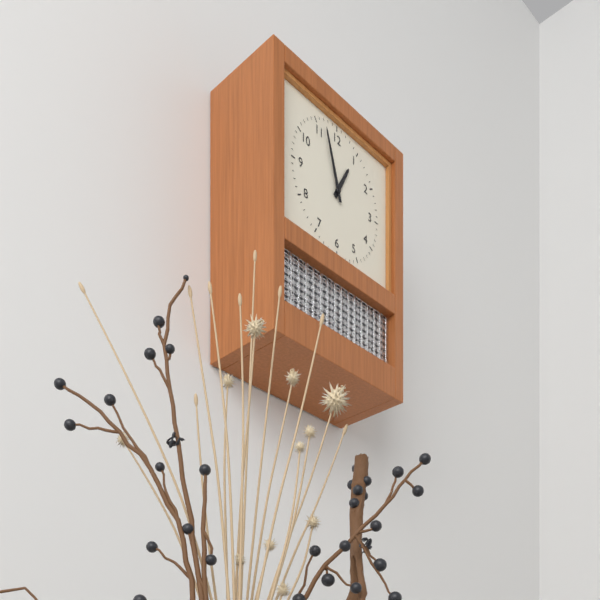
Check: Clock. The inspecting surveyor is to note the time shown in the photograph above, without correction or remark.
12:57
